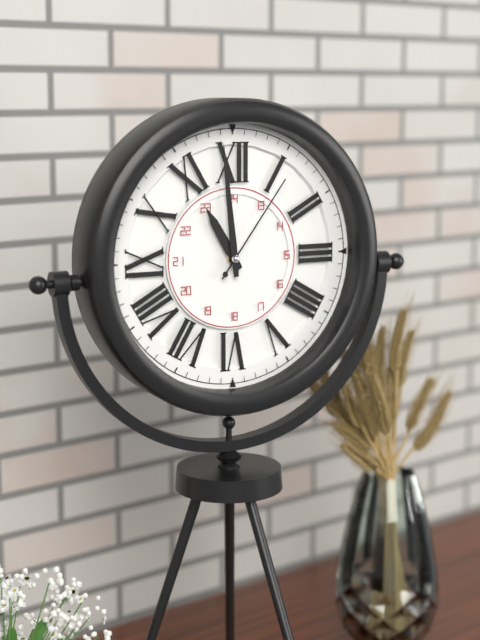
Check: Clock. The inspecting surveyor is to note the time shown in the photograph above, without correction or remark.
10:59:06
